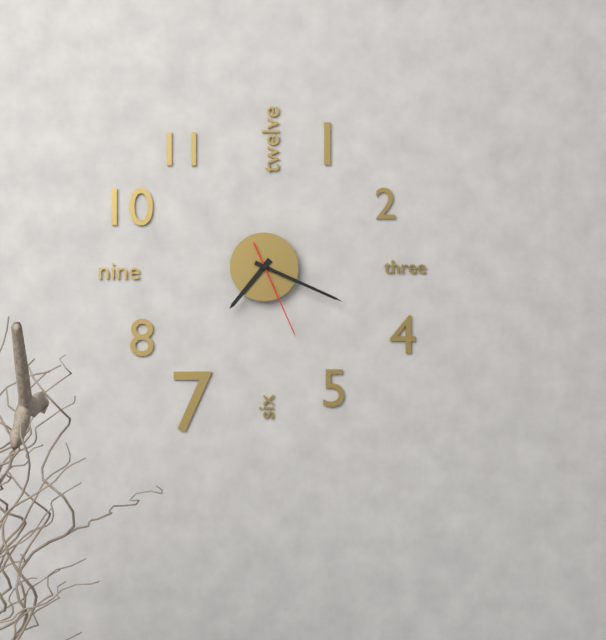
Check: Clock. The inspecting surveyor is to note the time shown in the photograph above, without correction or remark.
7:19:26
